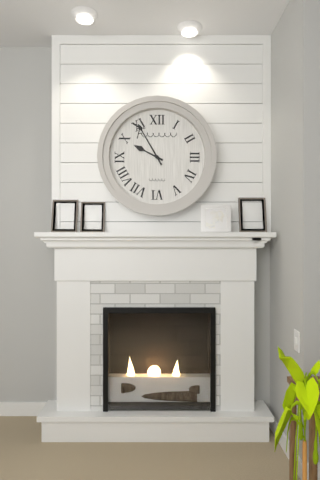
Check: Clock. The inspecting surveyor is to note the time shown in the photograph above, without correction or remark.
9:55
